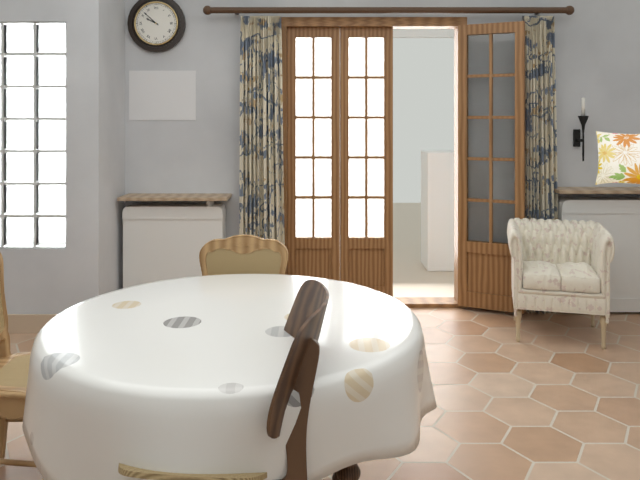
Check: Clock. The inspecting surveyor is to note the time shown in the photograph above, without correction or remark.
9:52
